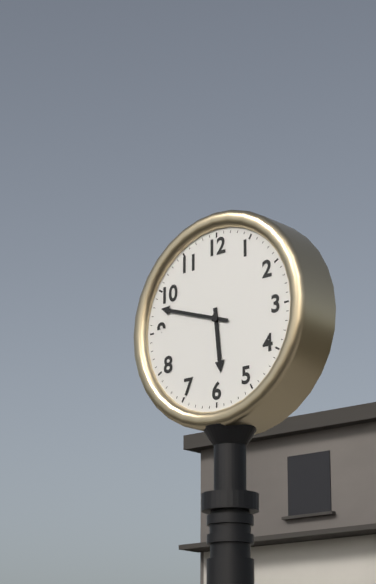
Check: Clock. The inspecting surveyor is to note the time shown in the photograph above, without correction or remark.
5:48
